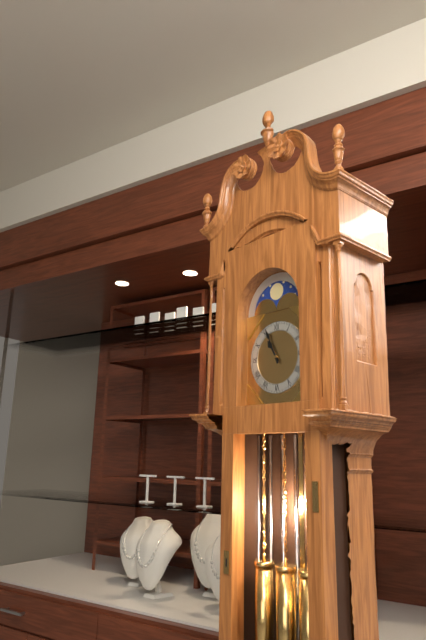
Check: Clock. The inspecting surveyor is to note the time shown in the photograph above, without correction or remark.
10:56
